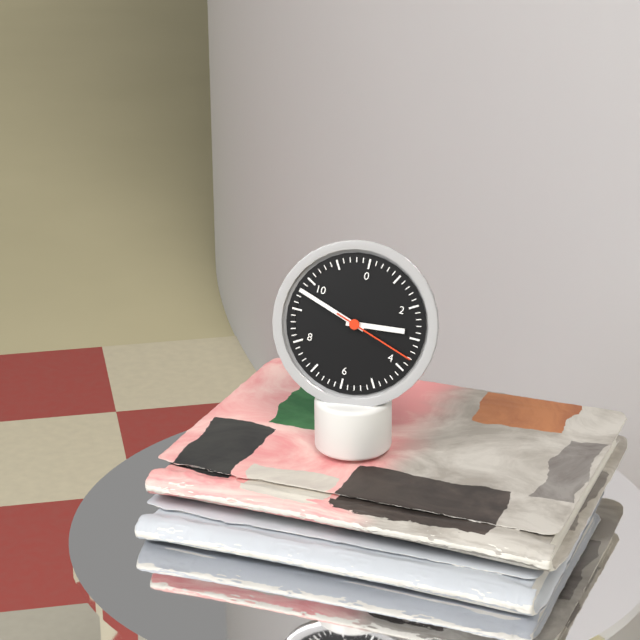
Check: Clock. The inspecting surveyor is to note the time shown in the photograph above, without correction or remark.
2:48:18
